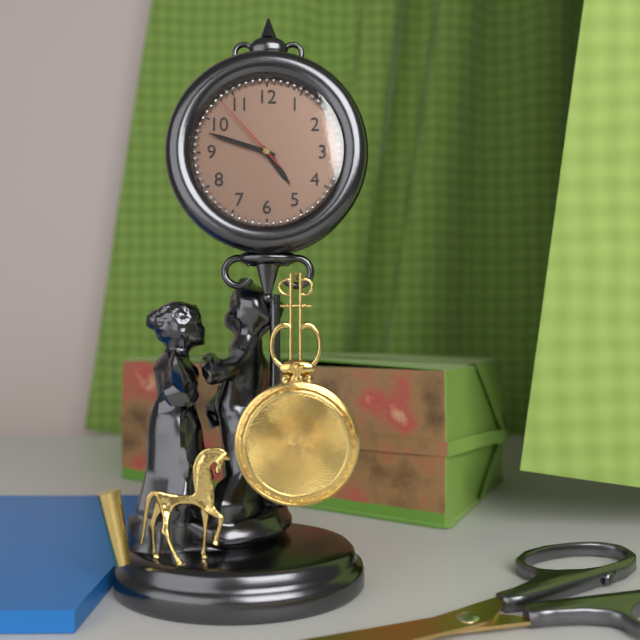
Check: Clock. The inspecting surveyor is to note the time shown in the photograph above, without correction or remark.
4:48:53
